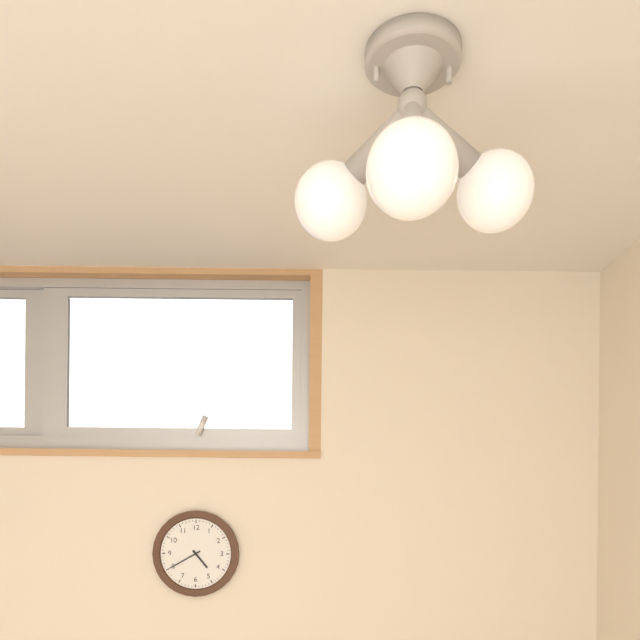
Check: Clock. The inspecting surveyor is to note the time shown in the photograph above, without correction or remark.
4:40
